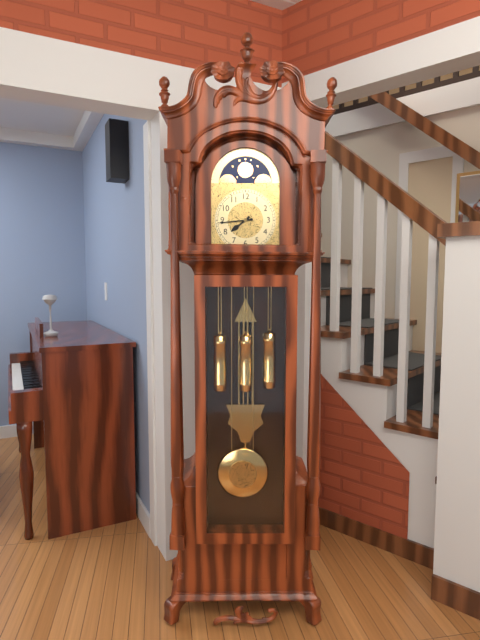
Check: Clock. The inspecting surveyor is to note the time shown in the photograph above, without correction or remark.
7:44
